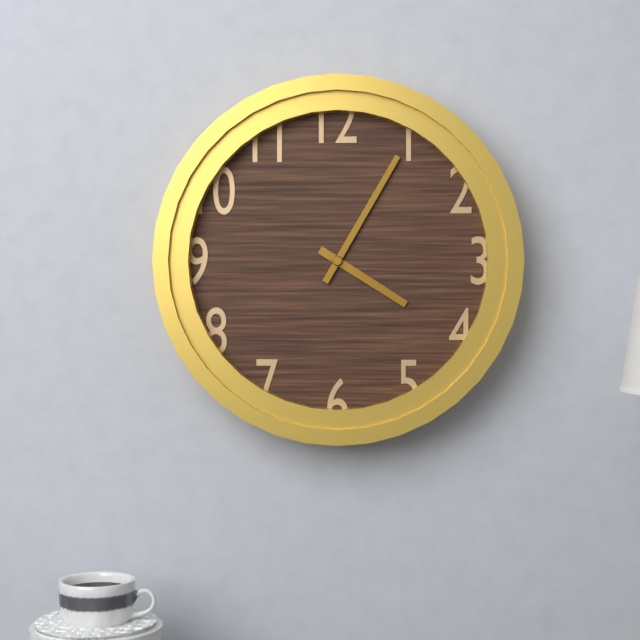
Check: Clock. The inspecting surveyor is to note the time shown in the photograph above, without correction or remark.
4:05
